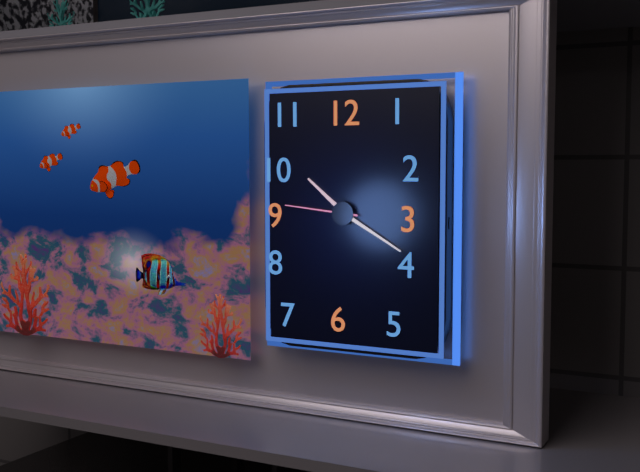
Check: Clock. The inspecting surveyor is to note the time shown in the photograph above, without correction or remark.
10:20:46
